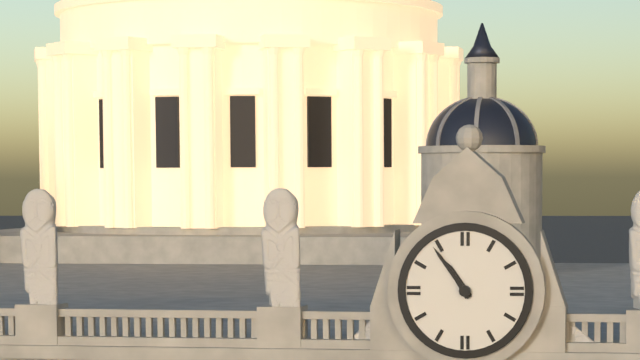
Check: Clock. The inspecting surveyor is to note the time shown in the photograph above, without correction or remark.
10:54
